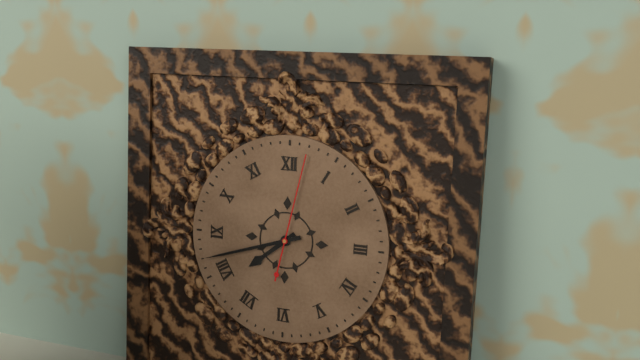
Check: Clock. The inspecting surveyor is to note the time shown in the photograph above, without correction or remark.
7:42:02
